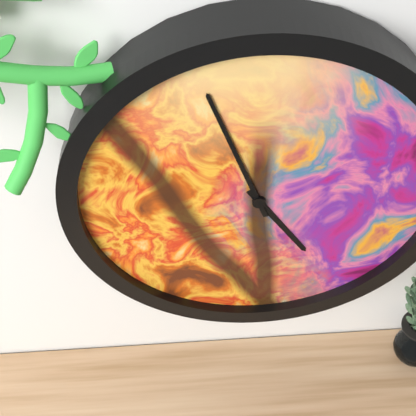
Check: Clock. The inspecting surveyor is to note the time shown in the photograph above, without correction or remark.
4:57
